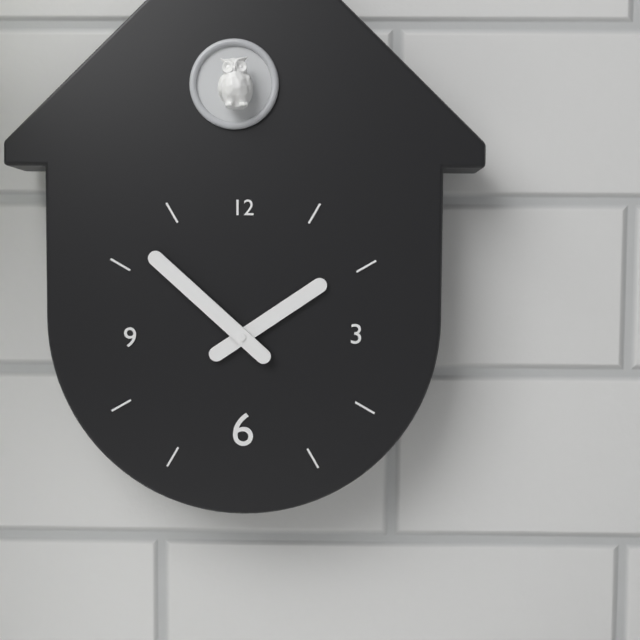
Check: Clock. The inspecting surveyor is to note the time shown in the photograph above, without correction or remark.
1:52
